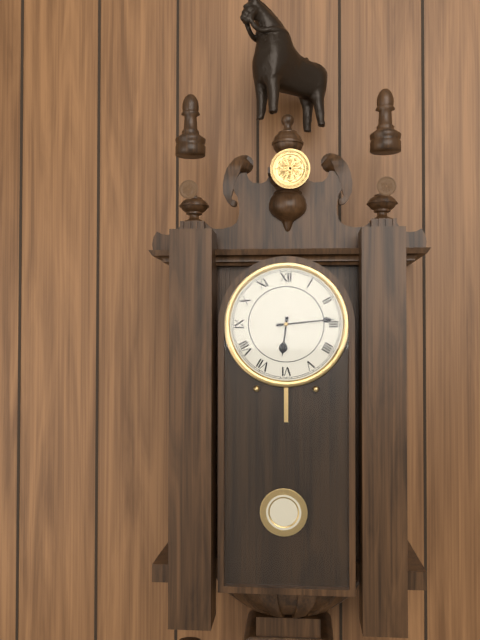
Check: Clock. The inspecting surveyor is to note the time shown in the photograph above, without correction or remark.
6:14
